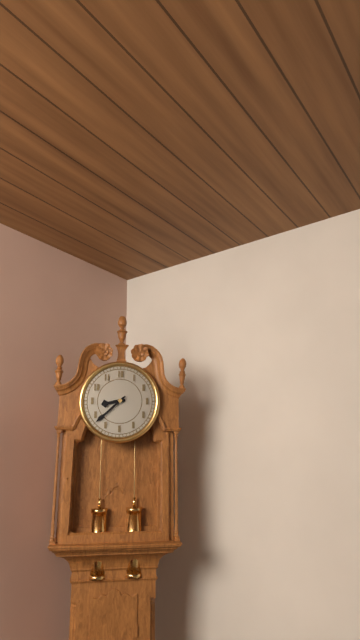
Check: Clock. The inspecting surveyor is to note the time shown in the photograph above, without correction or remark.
8:38
